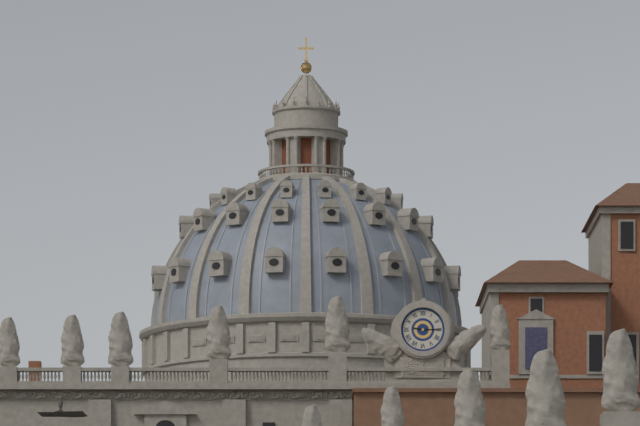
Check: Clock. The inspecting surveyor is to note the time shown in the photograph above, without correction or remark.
9:15
